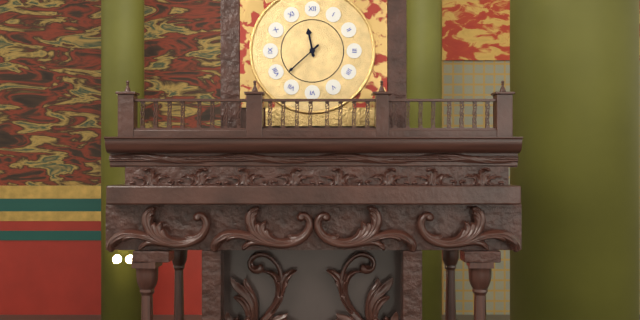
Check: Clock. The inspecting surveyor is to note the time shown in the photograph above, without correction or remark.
11:38
